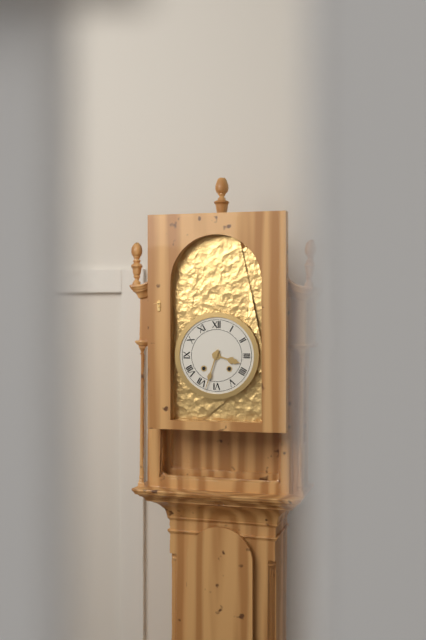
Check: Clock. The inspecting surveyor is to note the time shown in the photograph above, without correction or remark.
3:33
